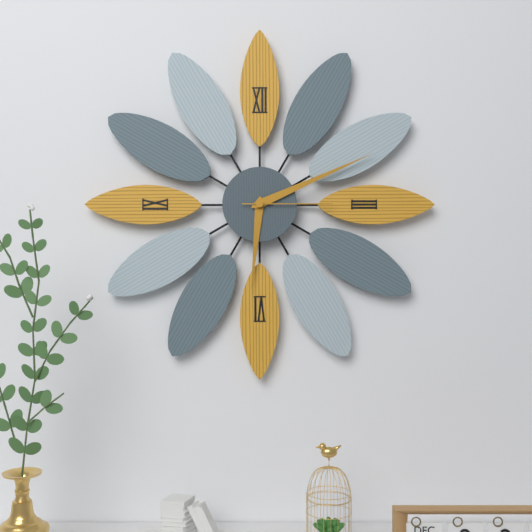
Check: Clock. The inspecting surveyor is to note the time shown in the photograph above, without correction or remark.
6:11:15
